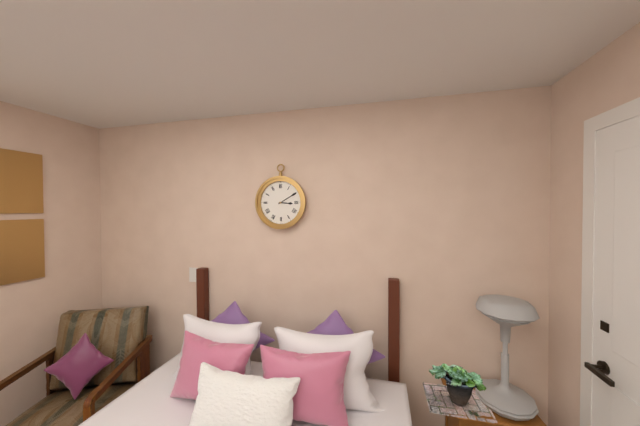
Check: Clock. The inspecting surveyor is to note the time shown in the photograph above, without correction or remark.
3:10
